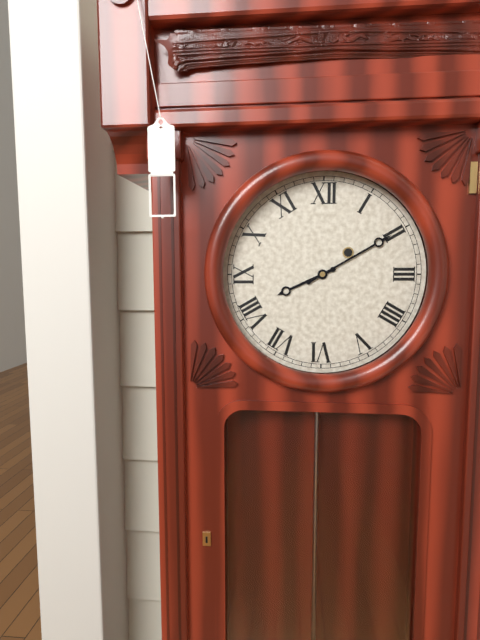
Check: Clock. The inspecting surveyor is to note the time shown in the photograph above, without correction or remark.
8:10
